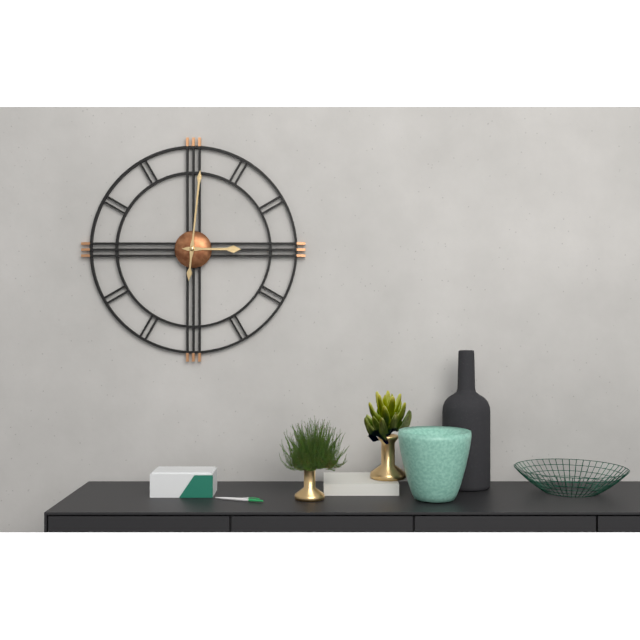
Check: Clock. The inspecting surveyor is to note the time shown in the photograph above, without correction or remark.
3:01
